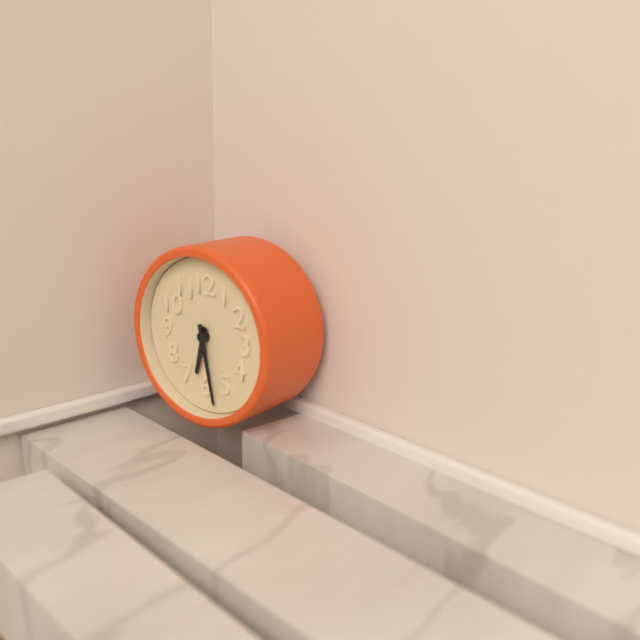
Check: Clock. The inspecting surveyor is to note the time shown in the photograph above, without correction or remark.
6:28
